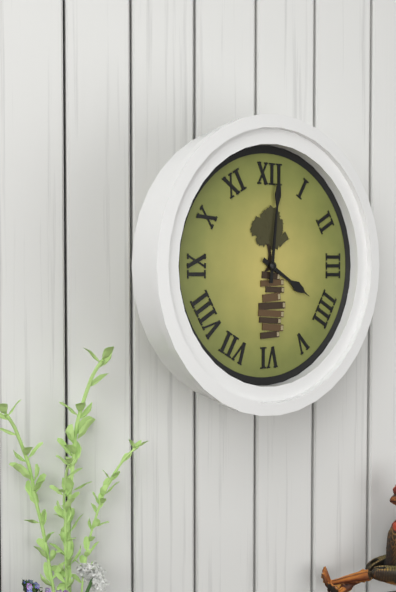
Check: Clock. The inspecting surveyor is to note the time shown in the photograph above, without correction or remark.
4:01
